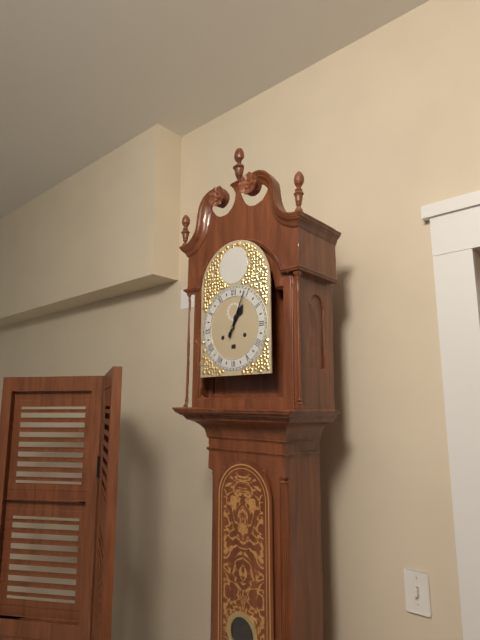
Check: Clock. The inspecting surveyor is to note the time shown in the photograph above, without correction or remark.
1:04
